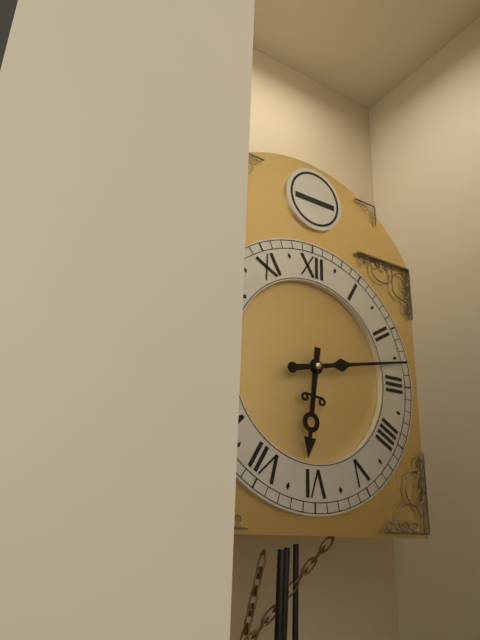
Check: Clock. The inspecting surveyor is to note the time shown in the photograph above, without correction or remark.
6:13
